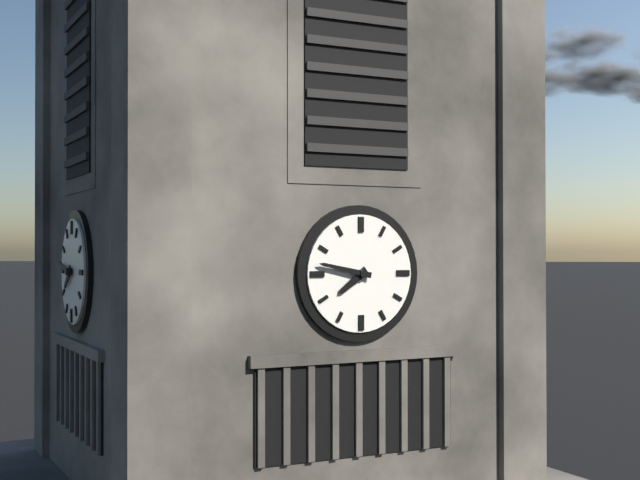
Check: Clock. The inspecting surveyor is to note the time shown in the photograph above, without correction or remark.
7:47
